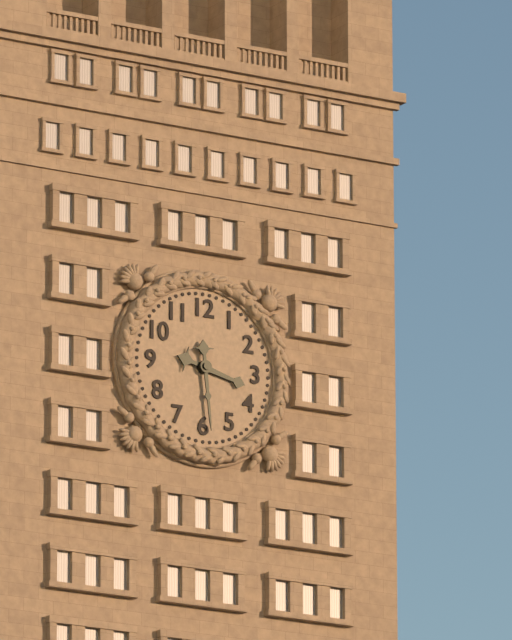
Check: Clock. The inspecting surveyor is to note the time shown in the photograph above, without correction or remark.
3:29
